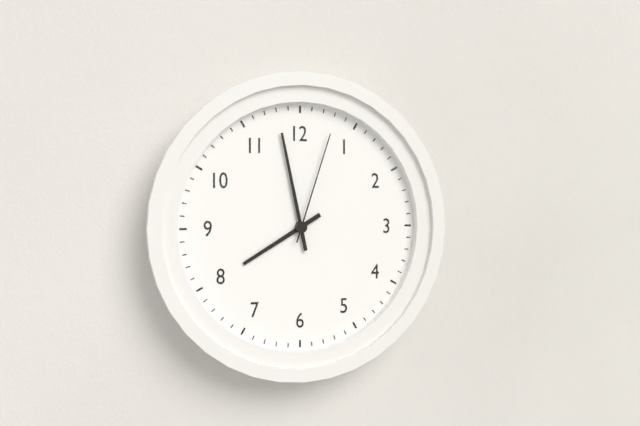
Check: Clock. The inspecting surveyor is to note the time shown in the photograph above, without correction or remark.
7:58:03
